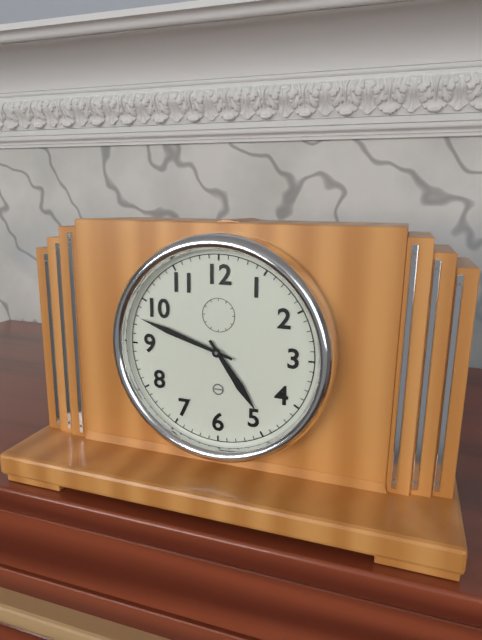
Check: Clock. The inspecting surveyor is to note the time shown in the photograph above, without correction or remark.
4:48
